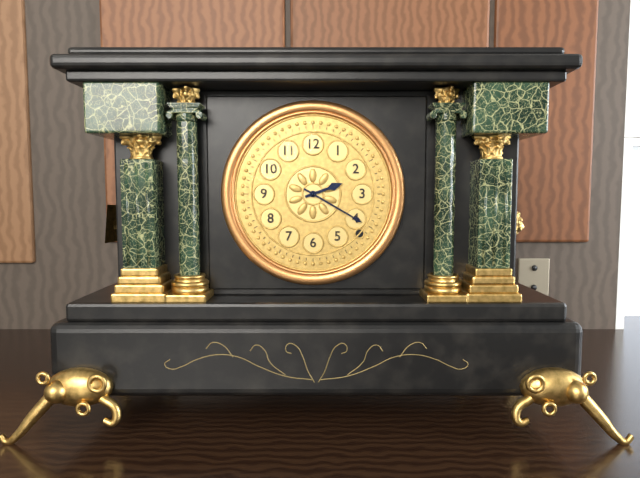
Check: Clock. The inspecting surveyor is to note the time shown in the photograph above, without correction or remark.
2:20
